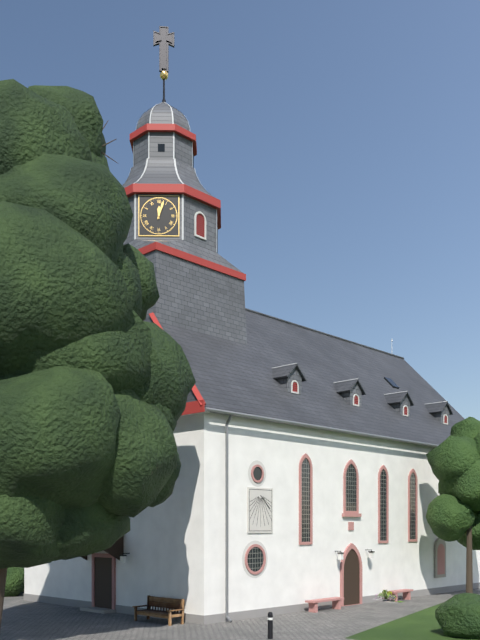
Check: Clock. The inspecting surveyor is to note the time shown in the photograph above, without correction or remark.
12:03
